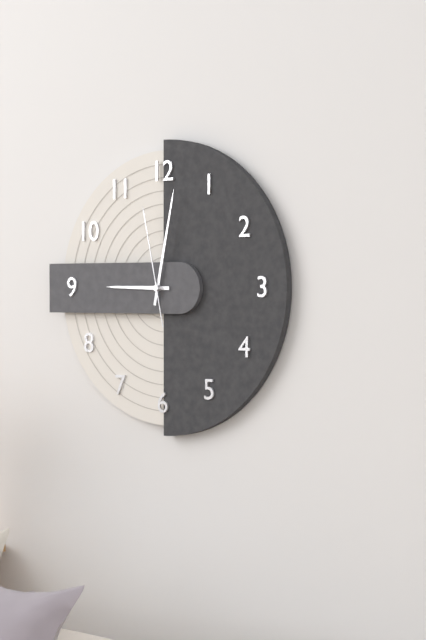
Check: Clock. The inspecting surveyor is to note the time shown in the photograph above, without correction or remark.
9:02:58
